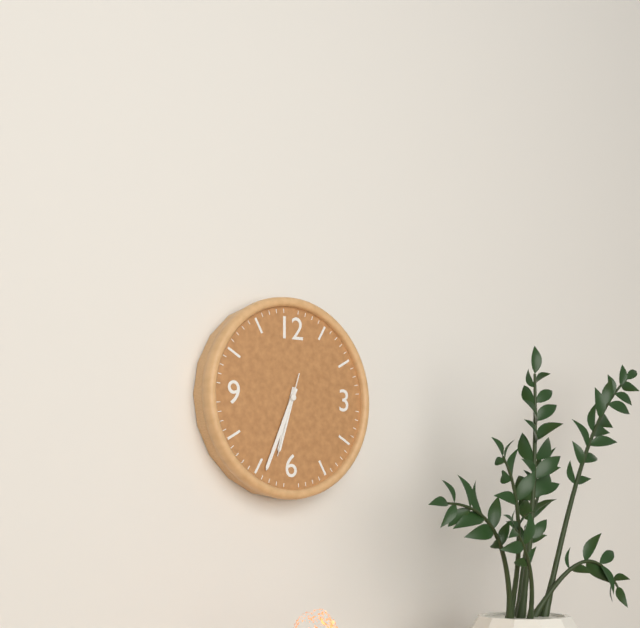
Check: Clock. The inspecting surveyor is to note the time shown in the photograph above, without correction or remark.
6:34:33
